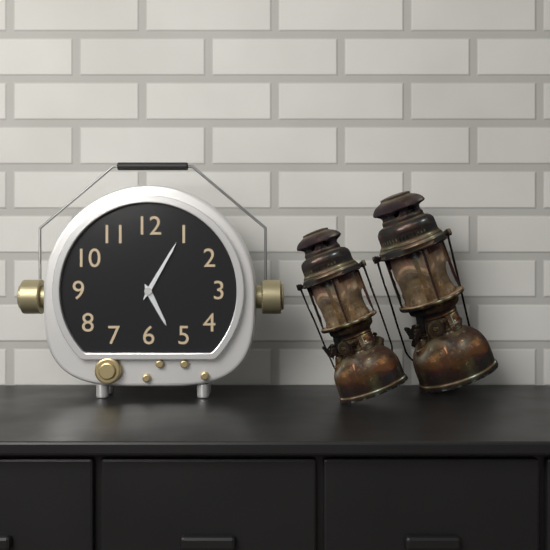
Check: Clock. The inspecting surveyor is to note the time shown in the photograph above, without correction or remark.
5:05
